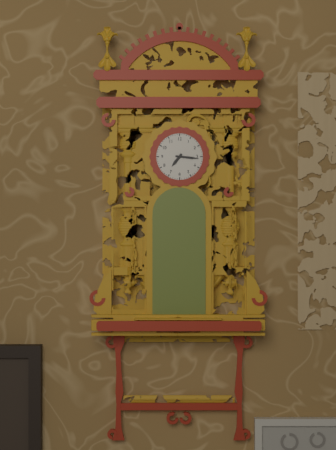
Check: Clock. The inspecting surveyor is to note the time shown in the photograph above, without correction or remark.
7:16
